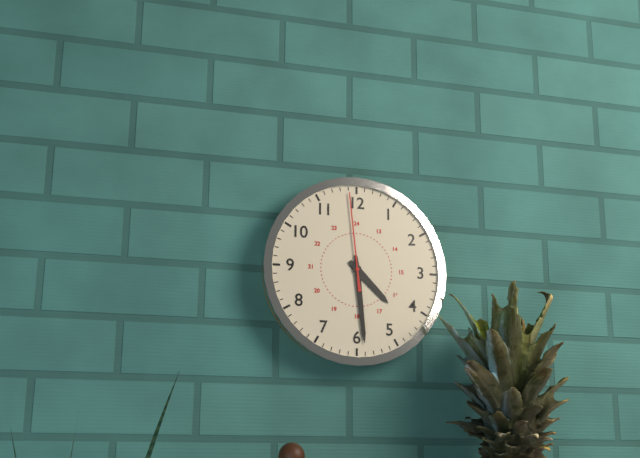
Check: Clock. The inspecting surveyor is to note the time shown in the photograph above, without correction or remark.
4:29:59
